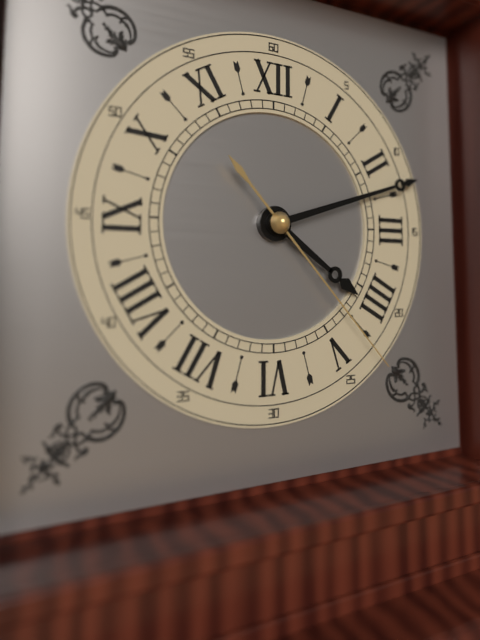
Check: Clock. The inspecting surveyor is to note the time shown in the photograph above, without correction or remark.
4:12:23
